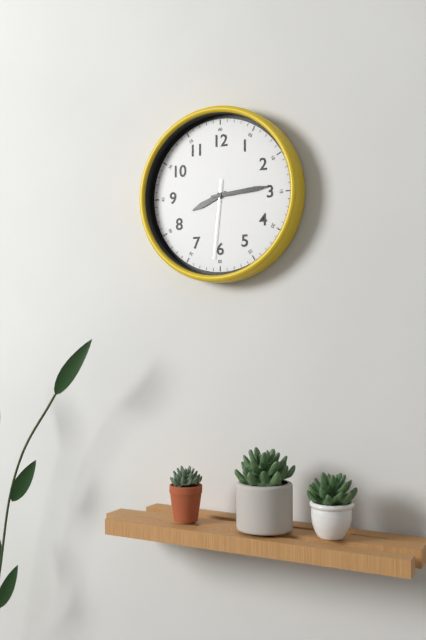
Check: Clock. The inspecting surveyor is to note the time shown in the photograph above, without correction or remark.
8:14:31
